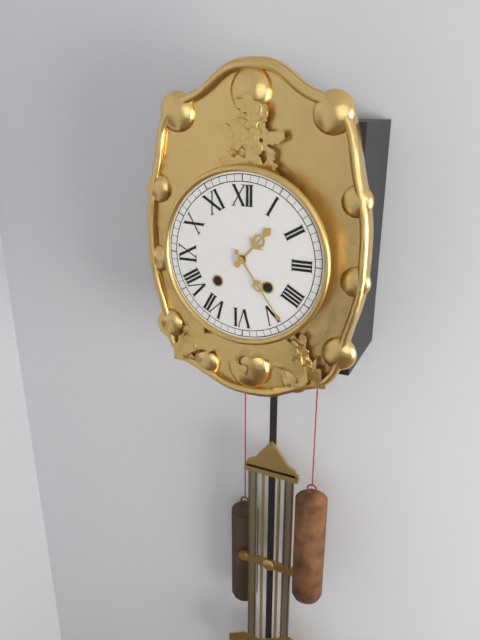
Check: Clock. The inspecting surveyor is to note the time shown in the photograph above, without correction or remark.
1:24
